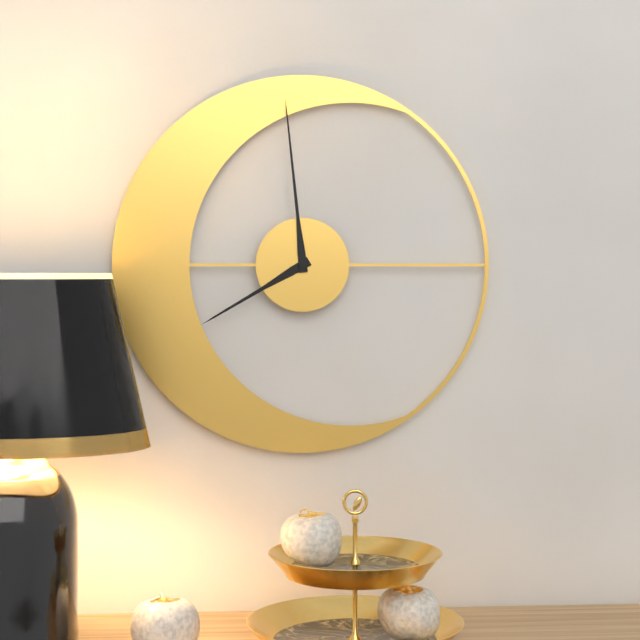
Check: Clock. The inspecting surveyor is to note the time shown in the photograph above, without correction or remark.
7:59
